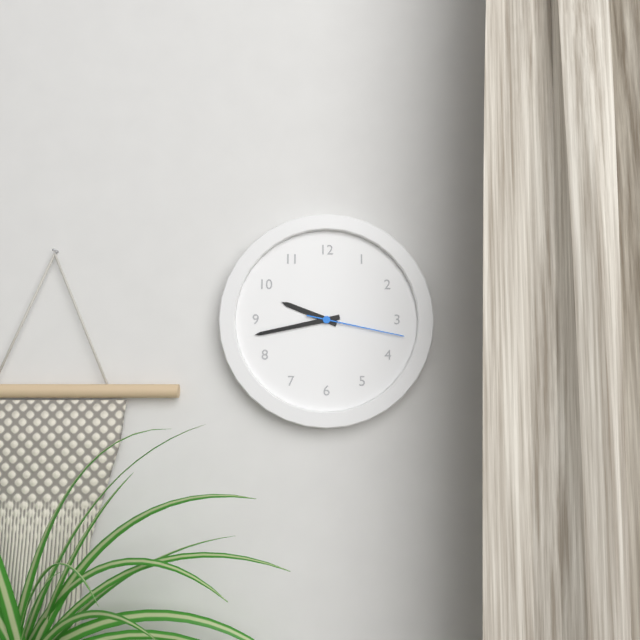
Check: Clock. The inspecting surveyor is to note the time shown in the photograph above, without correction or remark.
9:43:17
